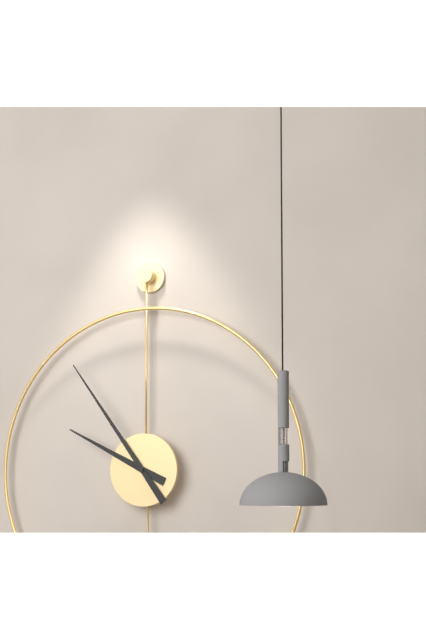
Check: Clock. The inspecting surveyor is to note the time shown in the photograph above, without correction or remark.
9:54
